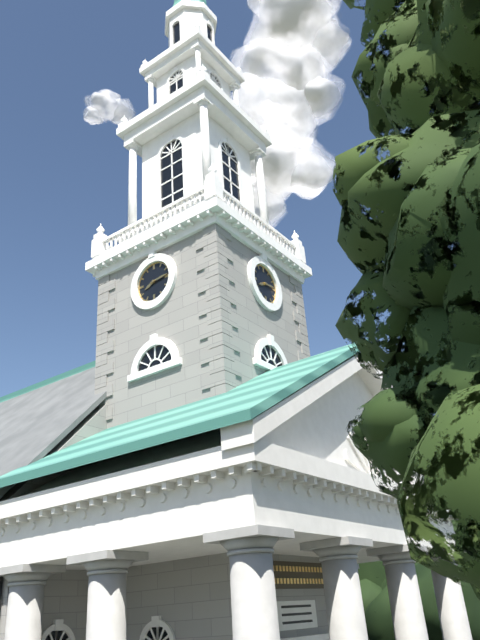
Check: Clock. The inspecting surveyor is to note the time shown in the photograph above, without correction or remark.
8:14
